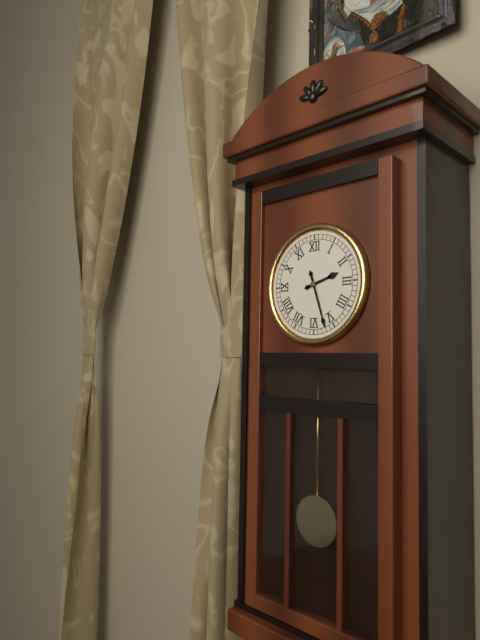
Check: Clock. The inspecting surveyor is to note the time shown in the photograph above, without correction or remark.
2:27
